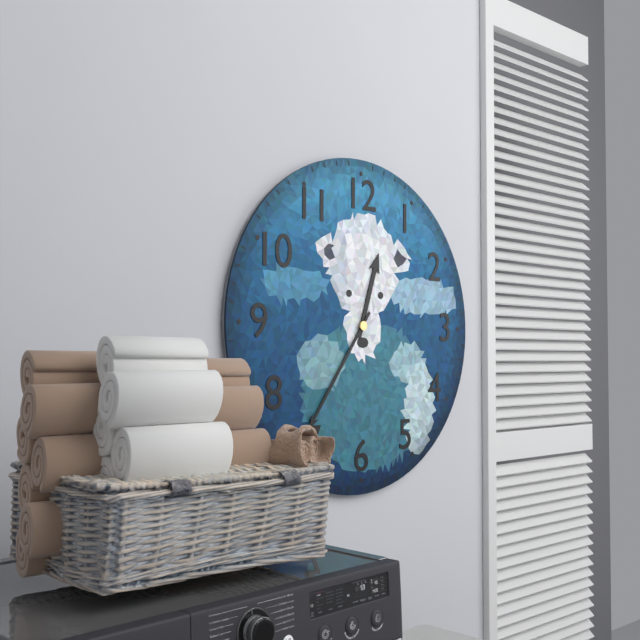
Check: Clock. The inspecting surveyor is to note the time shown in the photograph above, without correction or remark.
12:36
